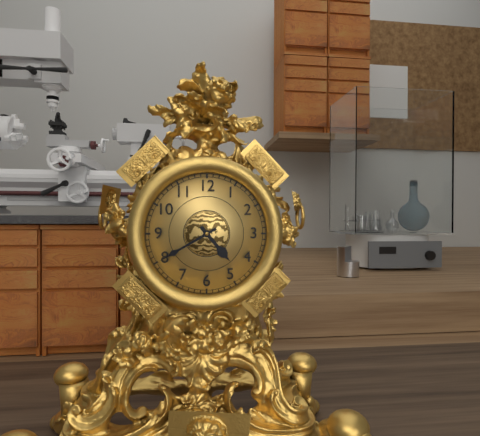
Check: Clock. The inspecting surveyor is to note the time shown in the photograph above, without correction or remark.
4:40
